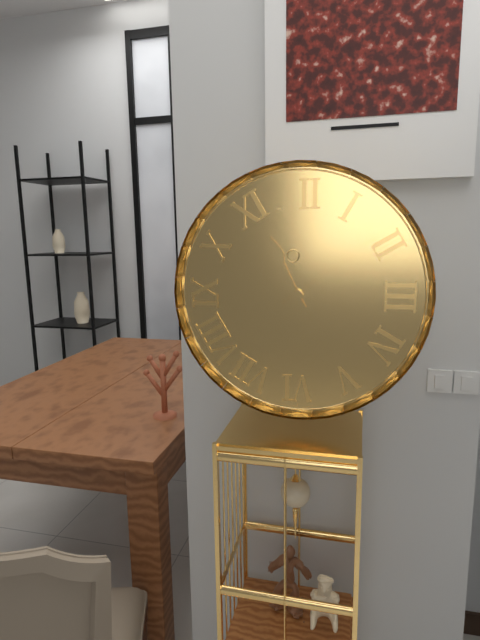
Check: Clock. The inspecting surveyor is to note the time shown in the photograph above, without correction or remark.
11:09
